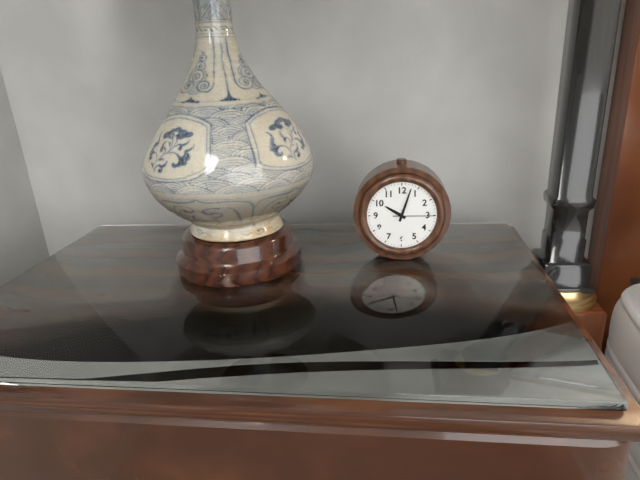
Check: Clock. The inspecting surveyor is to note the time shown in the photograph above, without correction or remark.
10:03
